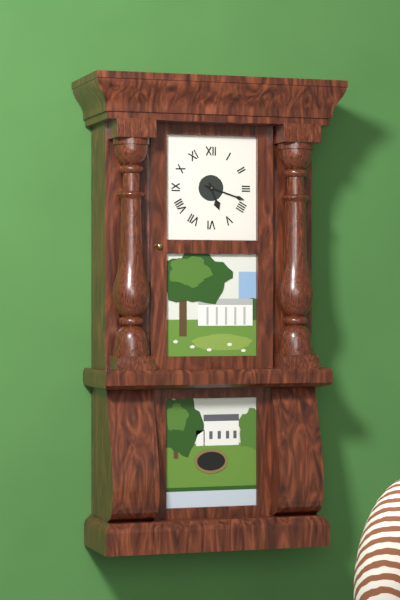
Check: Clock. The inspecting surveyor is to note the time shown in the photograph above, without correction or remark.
5:18
